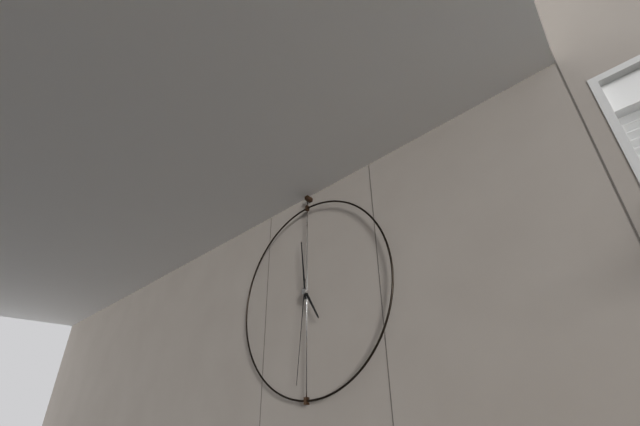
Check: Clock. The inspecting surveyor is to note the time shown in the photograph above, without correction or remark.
4:59:31
